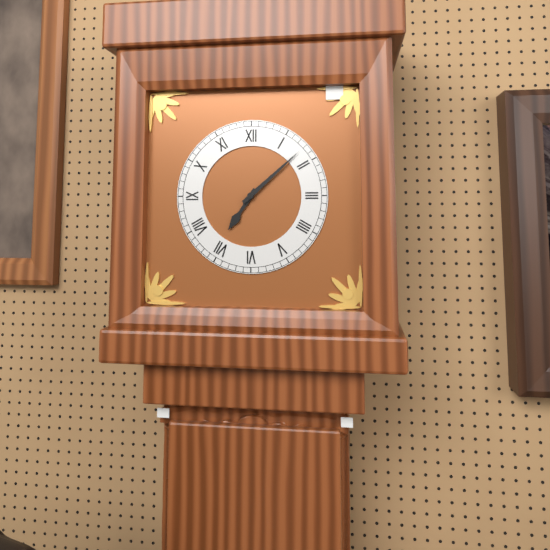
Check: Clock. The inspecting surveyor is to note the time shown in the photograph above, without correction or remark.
7:08
